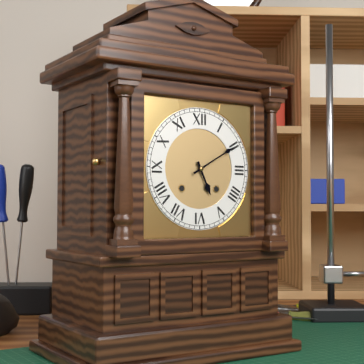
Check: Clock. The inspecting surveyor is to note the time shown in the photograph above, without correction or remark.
5:10
